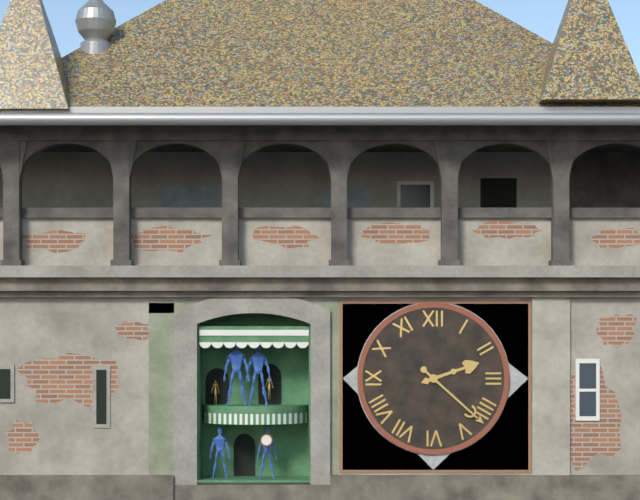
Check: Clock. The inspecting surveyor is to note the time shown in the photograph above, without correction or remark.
2:22
